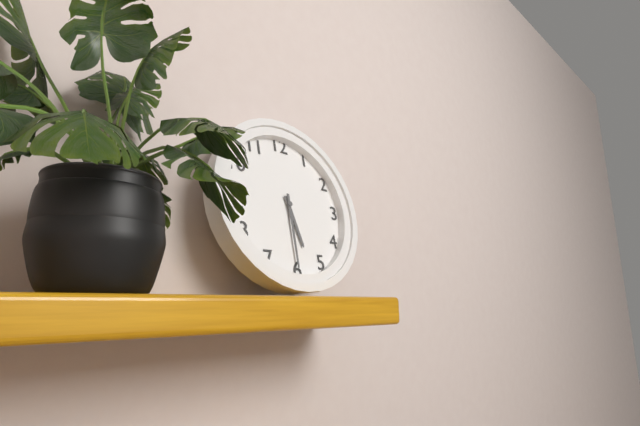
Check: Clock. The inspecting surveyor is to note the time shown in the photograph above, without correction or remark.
5:30
